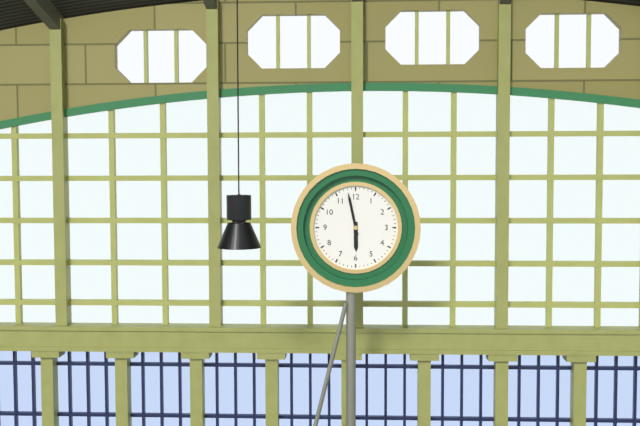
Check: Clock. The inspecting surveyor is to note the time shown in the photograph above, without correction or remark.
5:58
